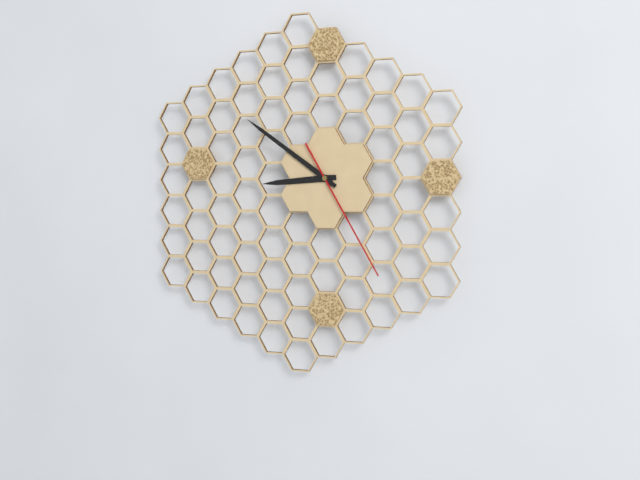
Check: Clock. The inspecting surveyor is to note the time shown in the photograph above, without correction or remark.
8:51:25
